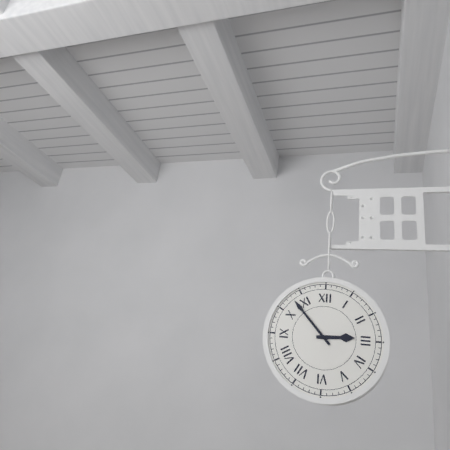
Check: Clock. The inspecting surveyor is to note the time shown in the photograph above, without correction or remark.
2:53
